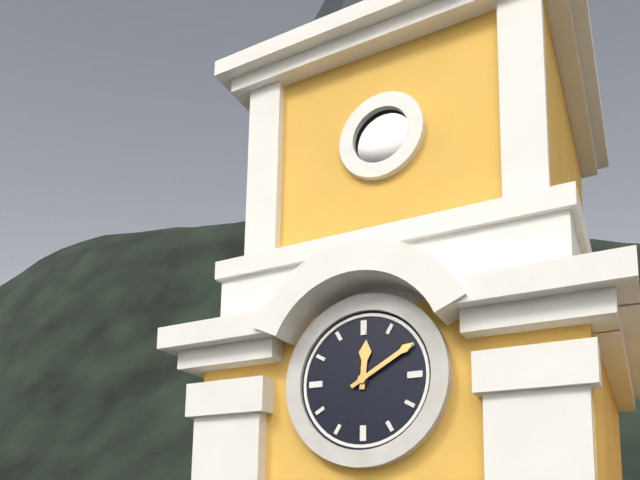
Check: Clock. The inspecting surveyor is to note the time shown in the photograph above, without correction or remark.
12:10
